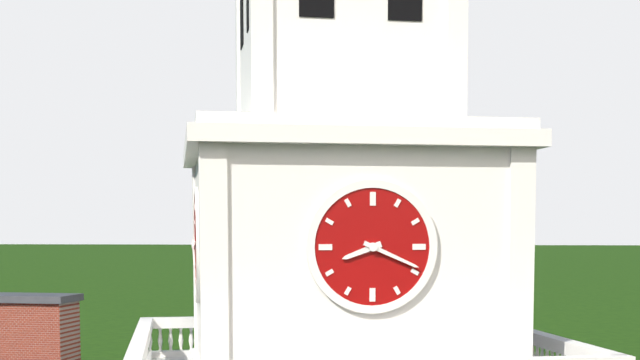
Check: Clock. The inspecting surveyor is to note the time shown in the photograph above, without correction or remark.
8:19
